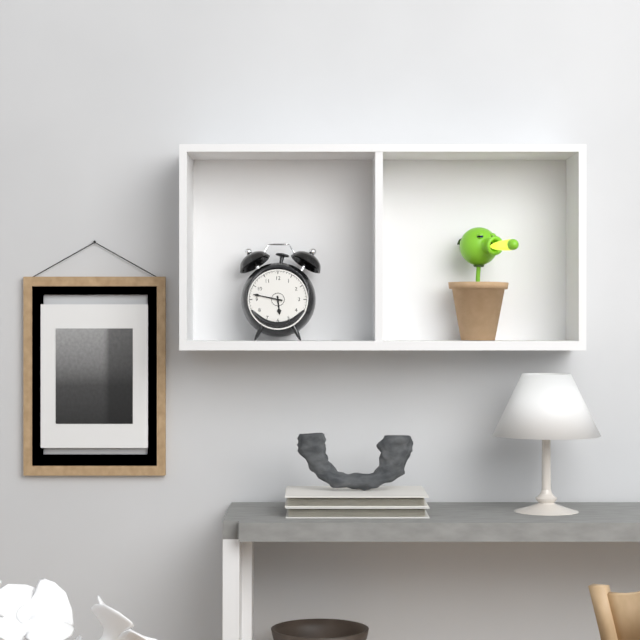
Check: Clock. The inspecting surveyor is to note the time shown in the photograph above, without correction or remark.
5:47
